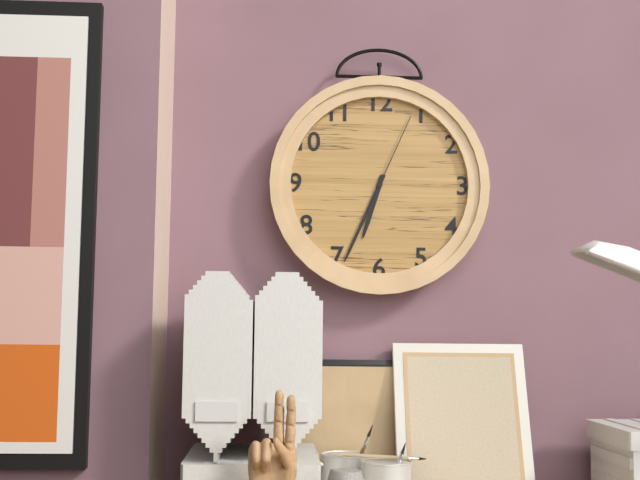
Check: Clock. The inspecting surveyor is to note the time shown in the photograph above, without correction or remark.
6:34:04
